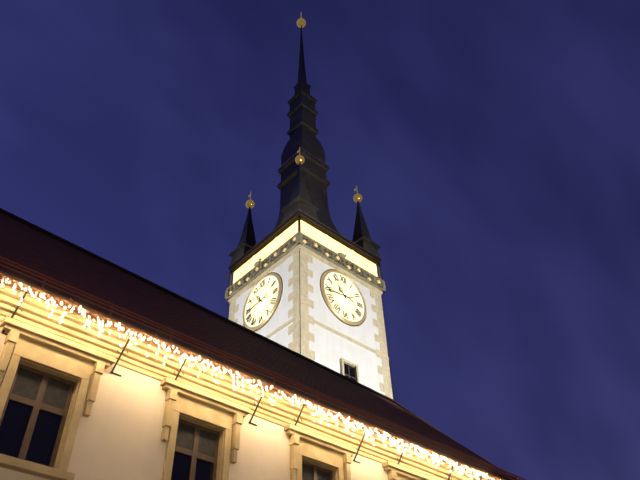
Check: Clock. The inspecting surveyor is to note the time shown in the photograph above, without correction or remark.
10:44
